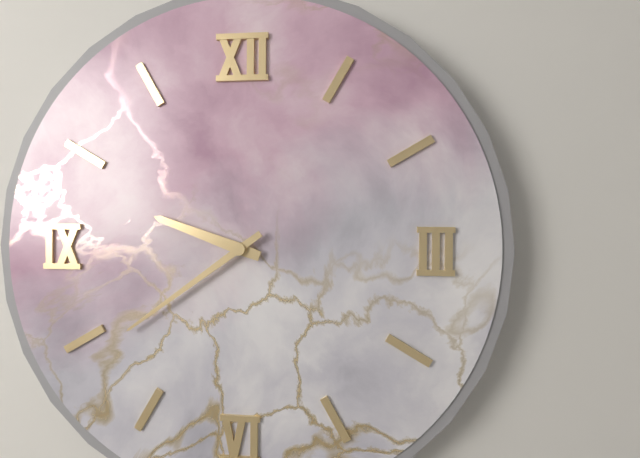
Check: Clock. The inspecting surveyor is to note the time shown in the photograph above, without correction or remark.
9:39
